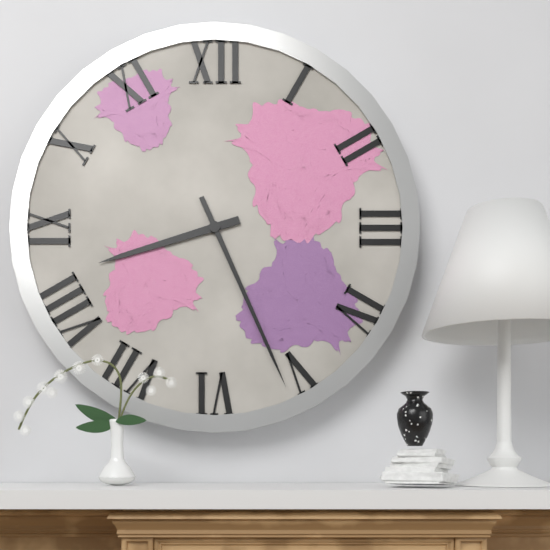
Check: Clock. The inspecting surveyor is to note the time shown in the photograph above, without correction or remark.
8:26
